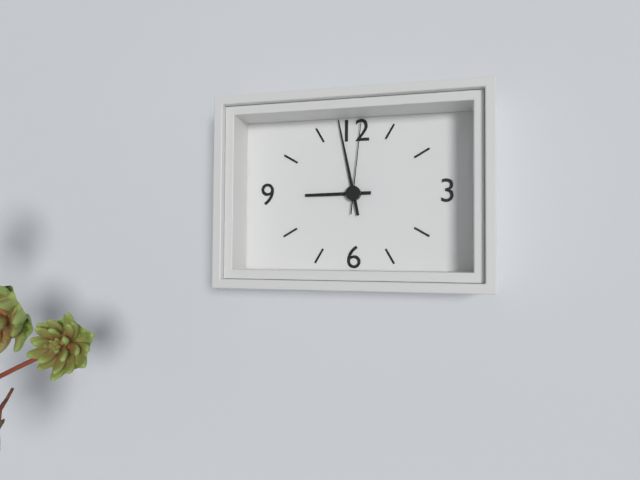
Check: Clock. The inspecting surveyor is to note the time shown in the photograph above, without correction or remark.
8:58:01
